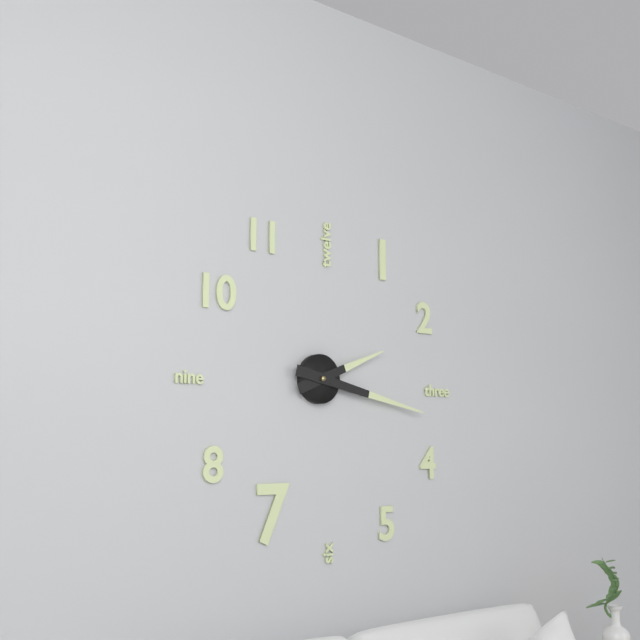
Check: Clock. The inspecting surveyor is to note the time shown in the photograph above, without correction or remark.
2:17
